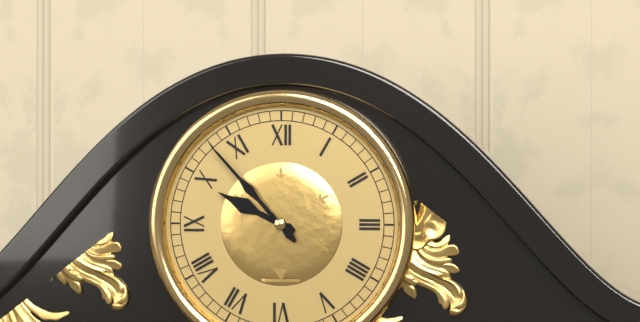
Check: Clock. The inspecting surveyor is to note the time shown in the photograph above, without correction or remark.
9:53
